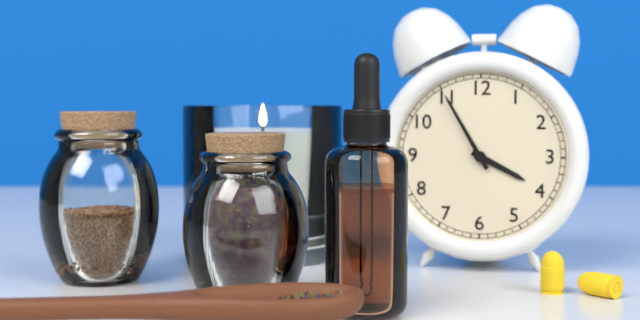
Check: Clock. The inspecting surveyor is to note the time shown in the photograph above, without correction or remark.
3:55
